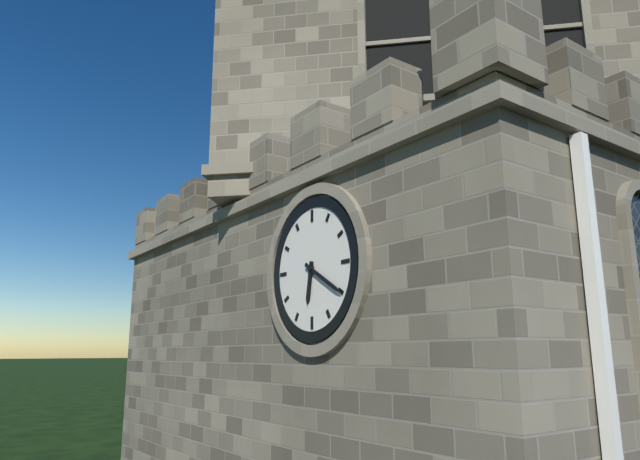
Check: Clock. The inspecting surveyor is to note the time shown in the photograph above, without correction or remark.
6:20
